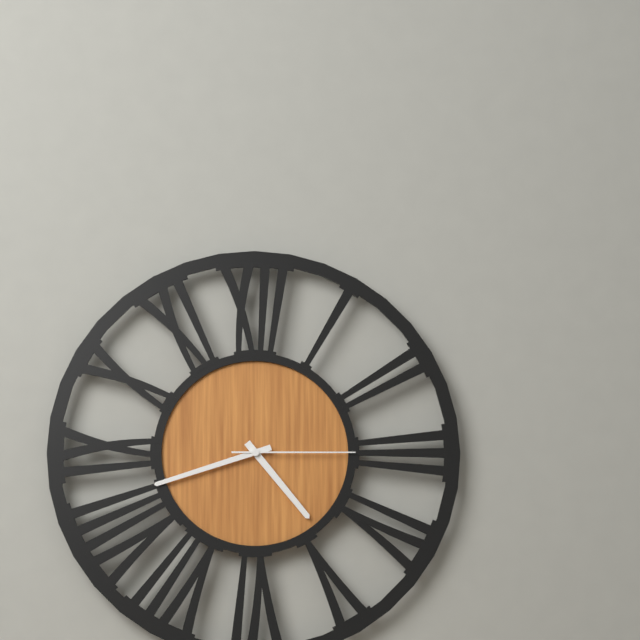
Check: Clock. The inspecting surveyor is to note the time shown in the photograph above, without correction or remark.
4:42:15
